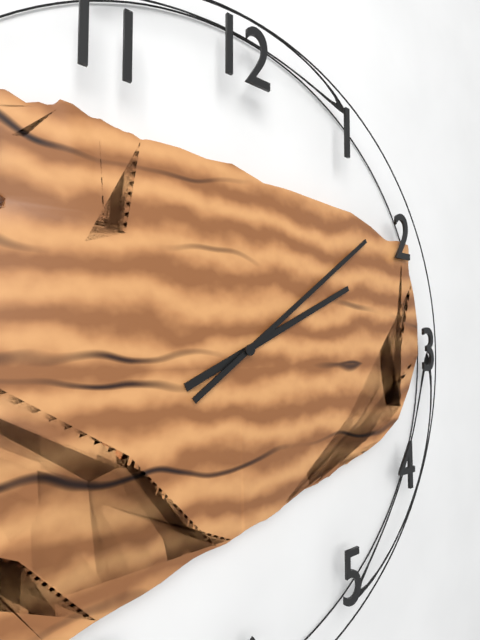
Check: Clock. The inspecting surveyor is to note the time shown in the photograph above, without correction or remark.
2:09
